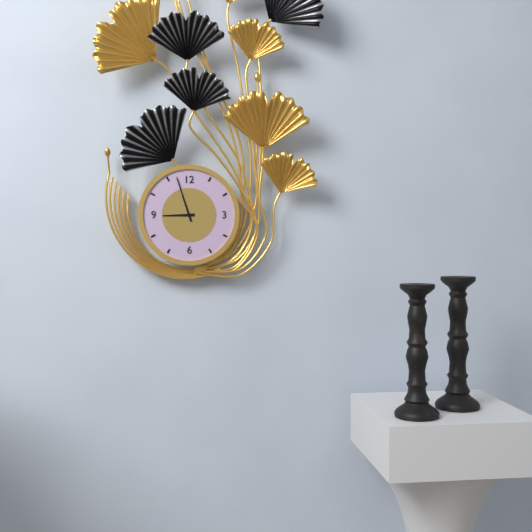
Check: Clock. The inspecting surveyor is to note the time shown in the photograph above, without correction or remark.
8:57
